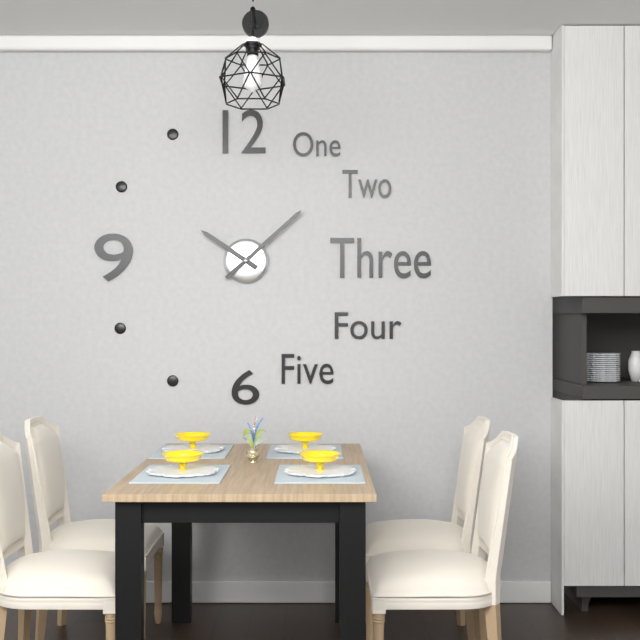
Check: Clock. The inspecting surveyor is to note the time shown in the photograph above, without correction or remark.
10:08
